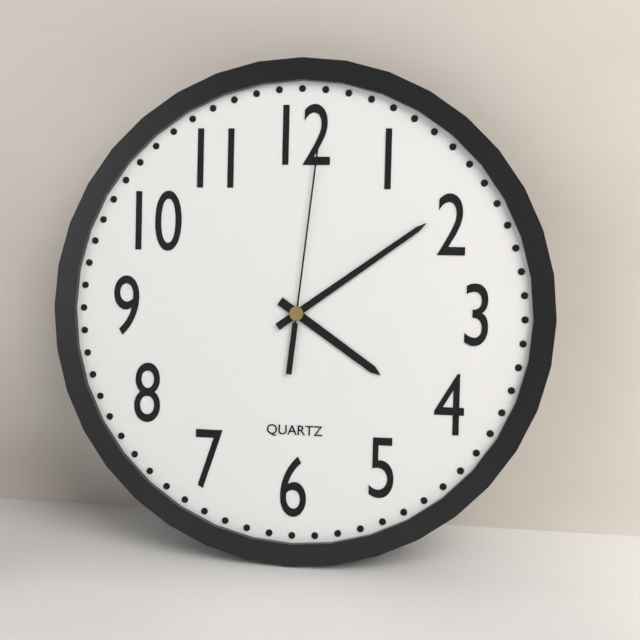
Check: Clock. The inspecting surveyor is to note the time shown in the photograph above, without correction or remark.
4:09:01
